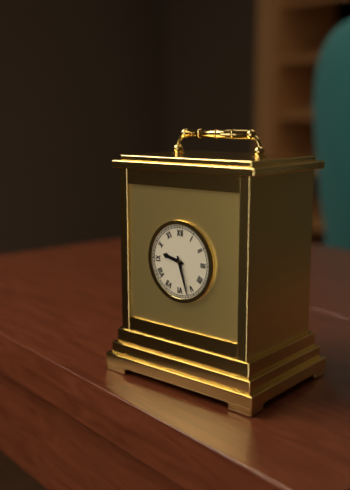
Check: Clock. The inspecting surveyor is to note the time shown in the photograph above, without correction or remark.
9:27
